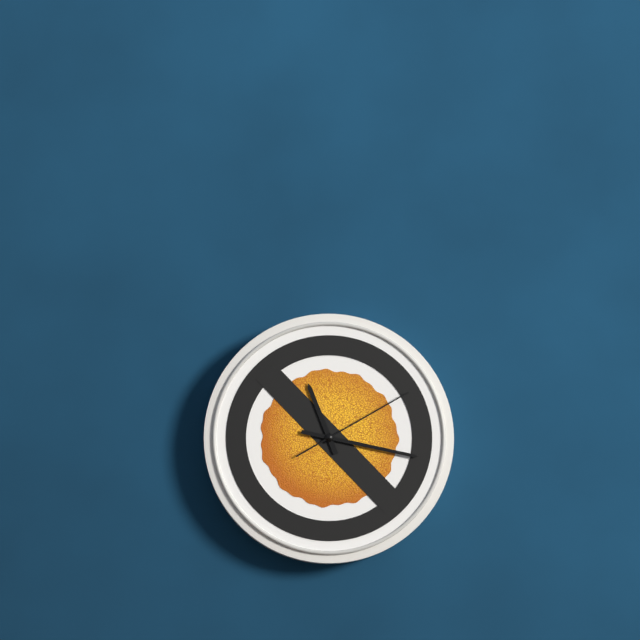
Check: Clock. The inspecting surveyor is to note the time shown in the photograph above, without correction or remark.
11:17:10
